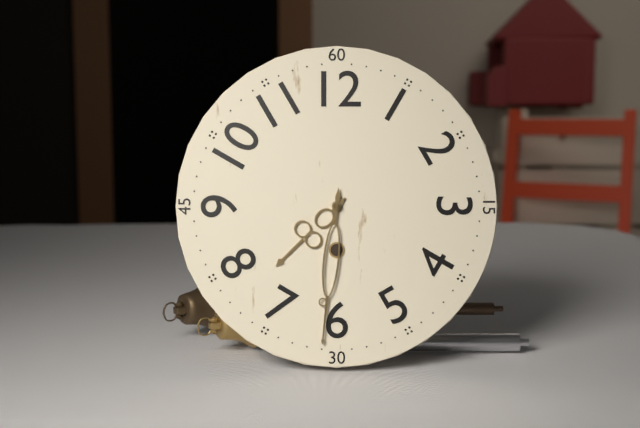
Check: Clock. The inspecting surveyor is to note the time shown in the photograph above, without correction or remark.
7:31
